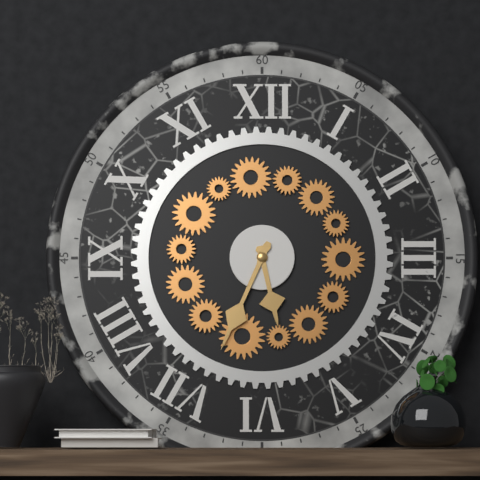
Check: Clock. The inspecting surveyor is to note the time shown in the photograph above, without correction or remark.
5:34
